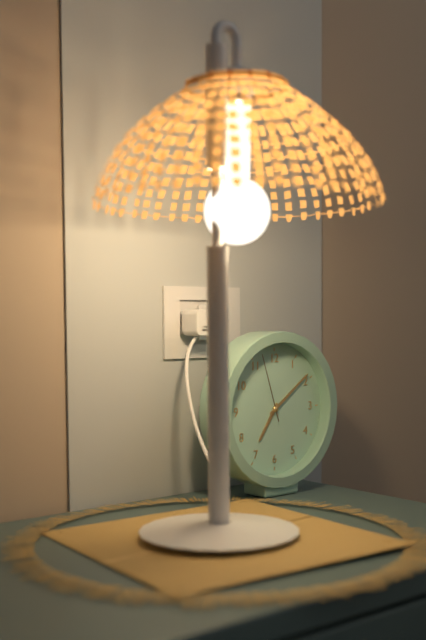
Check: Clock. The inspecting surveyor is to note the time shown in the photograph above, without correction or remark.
7:09:57
